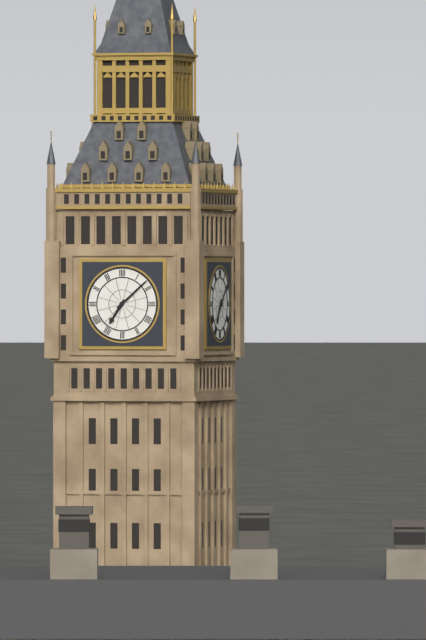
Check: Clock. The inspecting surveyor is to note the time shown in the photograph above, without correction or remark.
7:08
